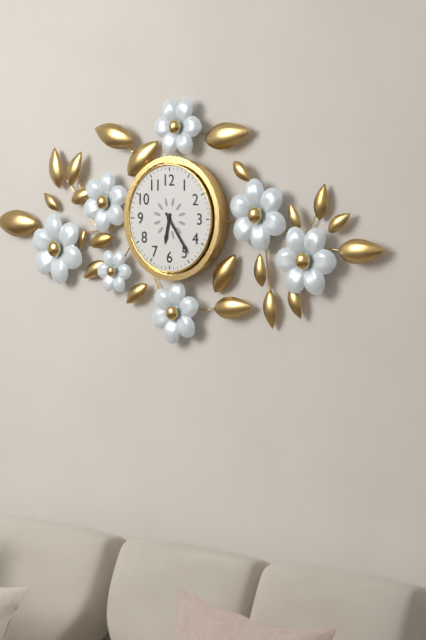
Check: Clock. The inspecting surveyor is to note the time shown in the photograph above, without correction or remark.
6:24
